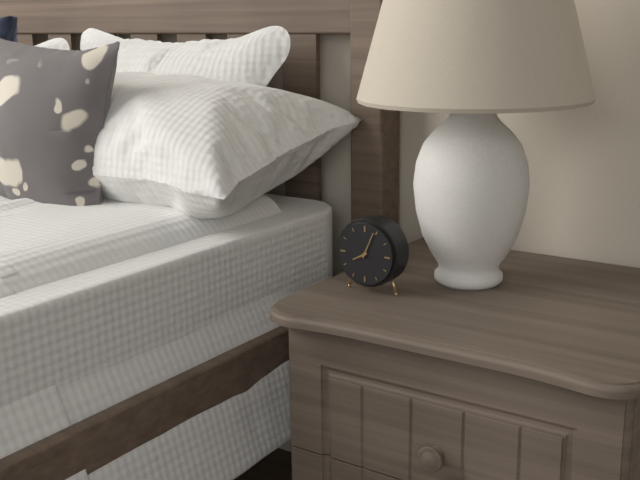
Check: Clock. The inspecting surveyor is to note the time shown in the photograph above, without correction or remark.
8:04
